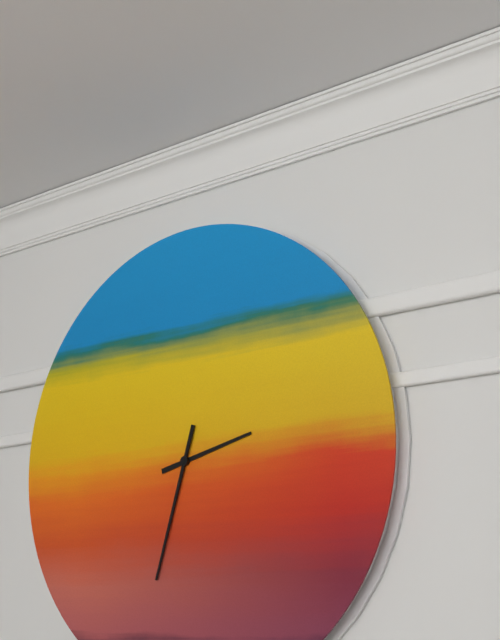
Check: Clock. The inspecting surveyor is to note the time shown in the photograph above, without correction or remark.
2:33
